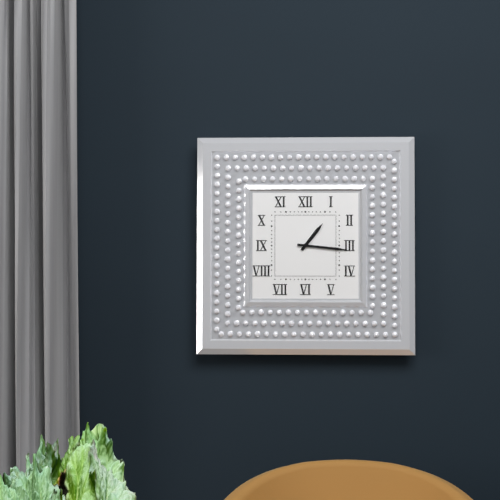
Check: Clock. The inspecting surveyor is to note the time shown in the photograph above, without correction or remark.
1:16
